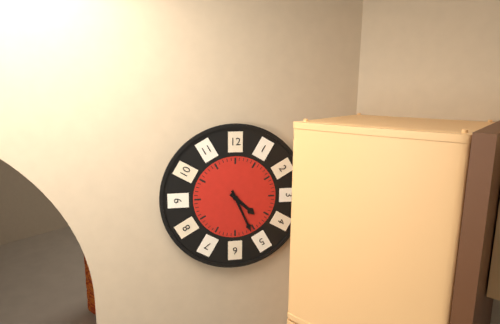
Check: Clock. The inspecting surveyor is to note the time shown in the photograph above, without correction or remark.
4:26
